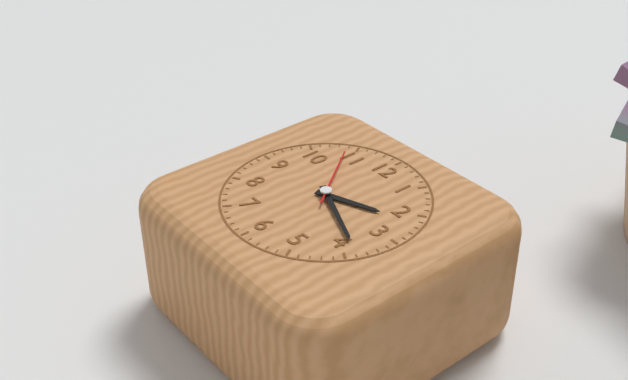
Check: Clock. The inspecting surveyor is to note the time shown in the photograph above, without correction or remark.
2:19:54
